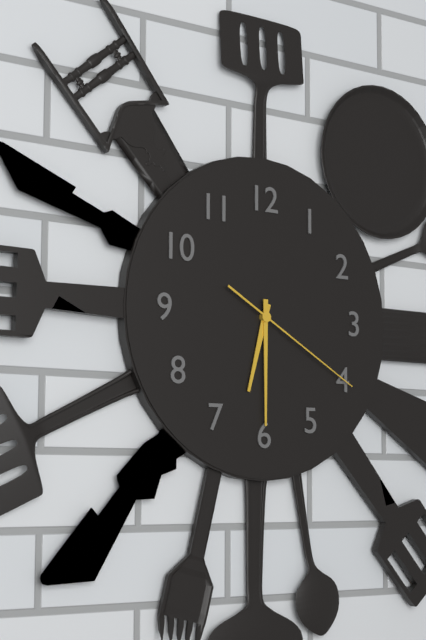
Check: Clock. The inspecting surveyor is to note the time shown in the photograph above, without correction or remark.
6:30:20
